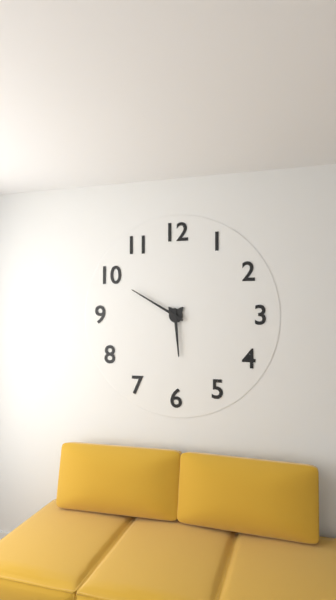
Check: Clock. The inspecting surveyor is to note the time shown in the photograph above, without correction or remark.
5:50
